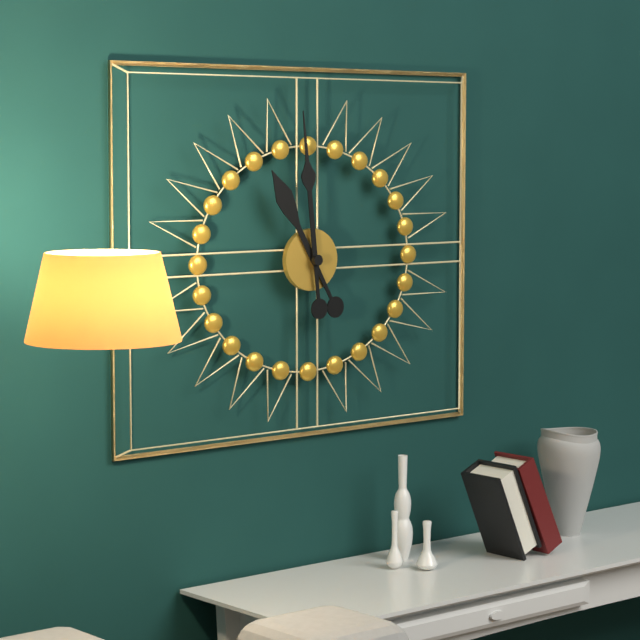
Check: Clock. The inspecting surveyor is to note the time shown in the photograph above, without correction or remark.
10:59
